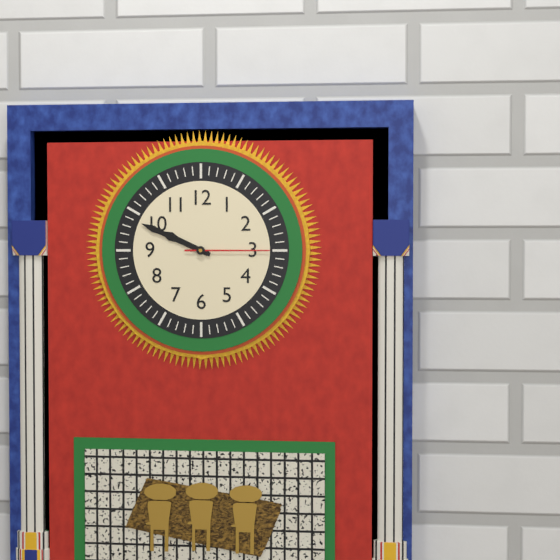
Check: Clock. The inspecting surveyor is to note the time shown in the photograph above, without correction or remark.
9:49:15
